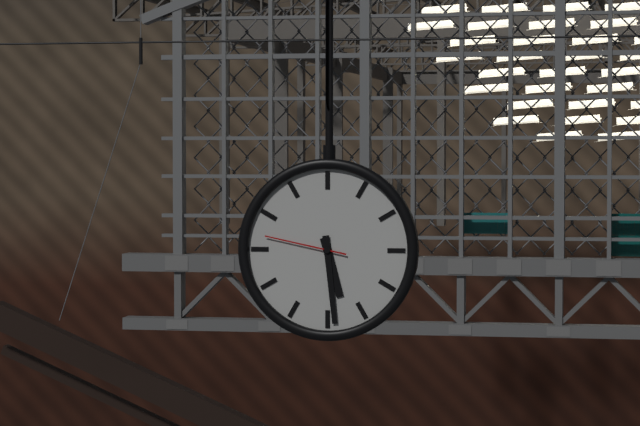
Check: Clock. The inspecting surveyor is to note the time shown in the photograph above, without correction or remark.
5:29:47
